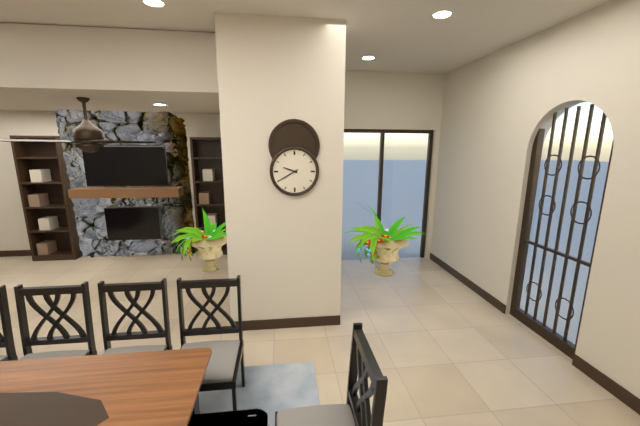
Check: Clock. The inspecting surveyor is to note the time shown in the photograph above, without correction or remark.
9:40
